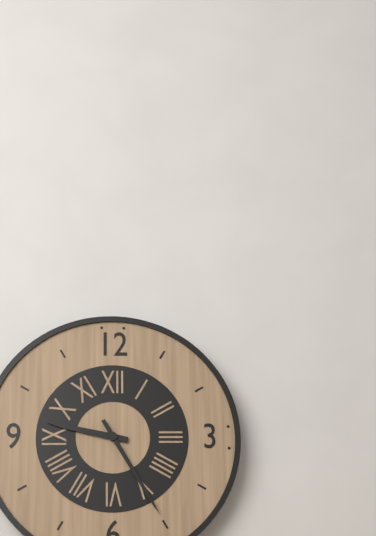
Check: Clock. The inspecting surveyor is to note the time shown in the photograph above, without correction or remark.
9:25
